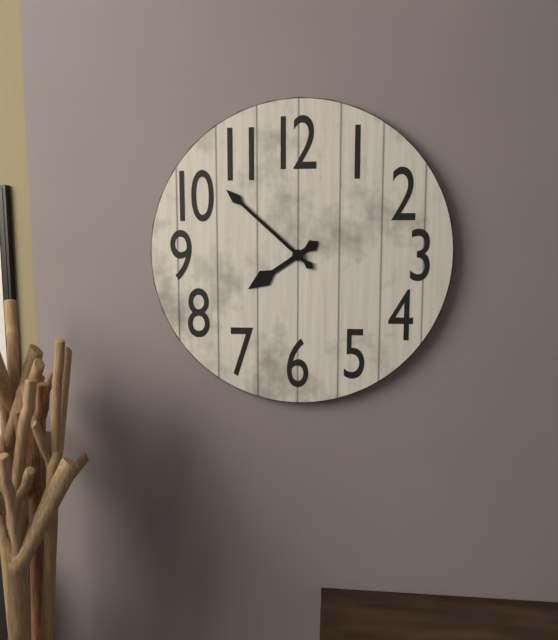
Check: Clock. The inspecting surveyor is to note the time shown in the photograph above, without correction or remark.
7:52
